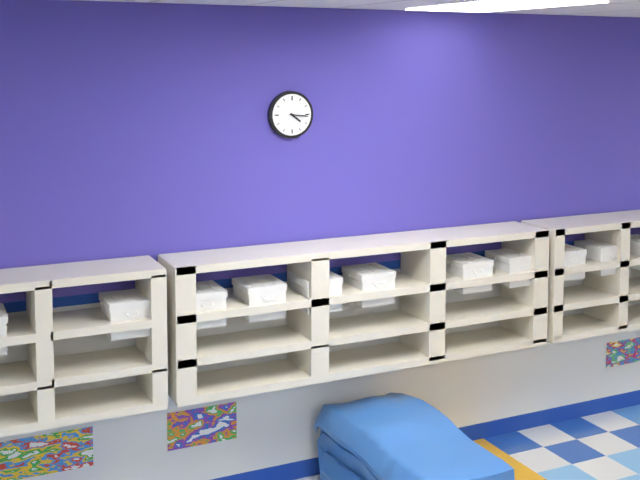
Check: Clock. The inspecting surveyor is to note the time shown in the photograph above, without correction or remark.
4:16
